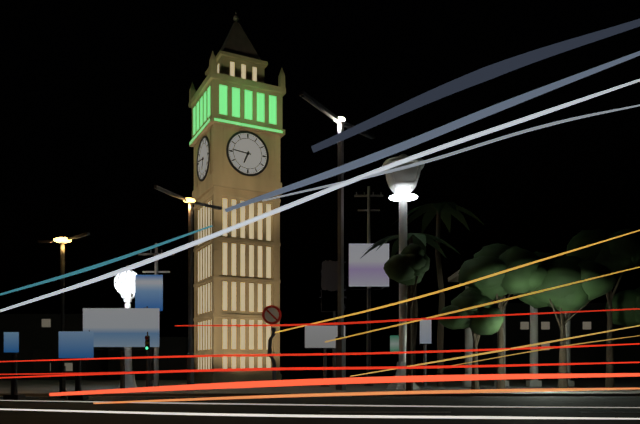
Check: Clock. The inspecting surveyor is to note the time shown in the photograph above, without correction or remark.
6:46
